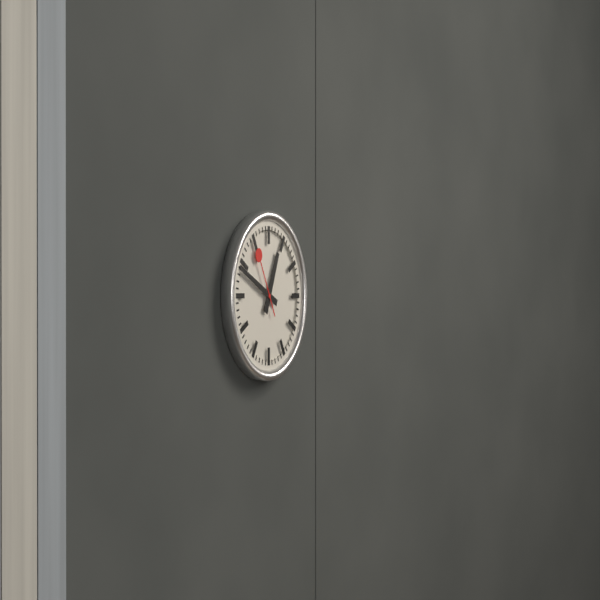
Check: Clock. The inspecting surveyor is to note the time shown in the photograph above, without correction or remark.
12:49:55
